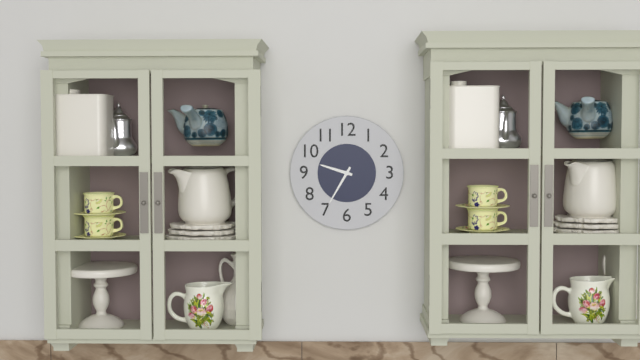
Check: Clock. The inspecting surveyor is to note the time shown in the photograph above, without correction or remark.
9:35
